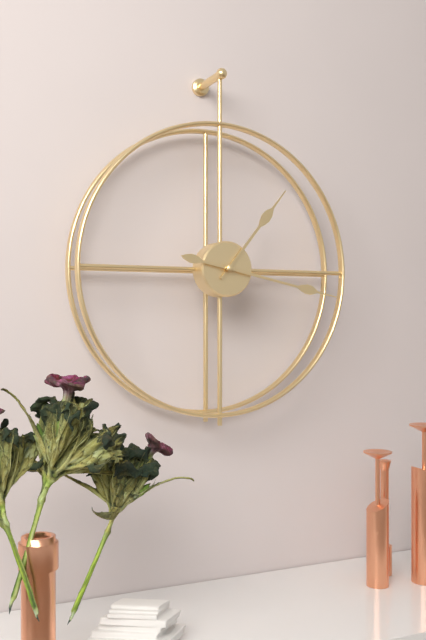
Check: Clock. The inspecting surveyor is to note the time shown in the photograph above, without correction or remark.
1:17
